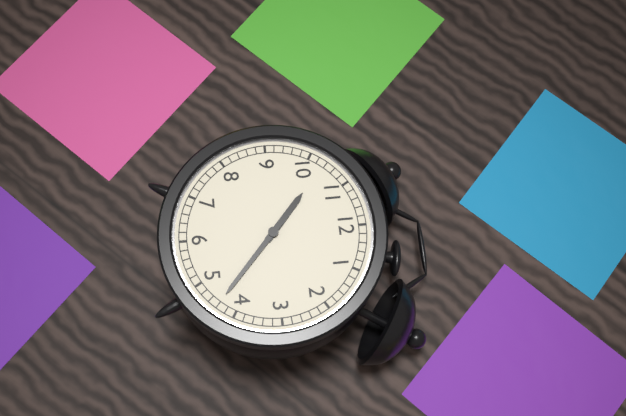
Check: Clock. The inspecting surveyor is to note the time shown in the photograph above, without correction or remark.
10:22
